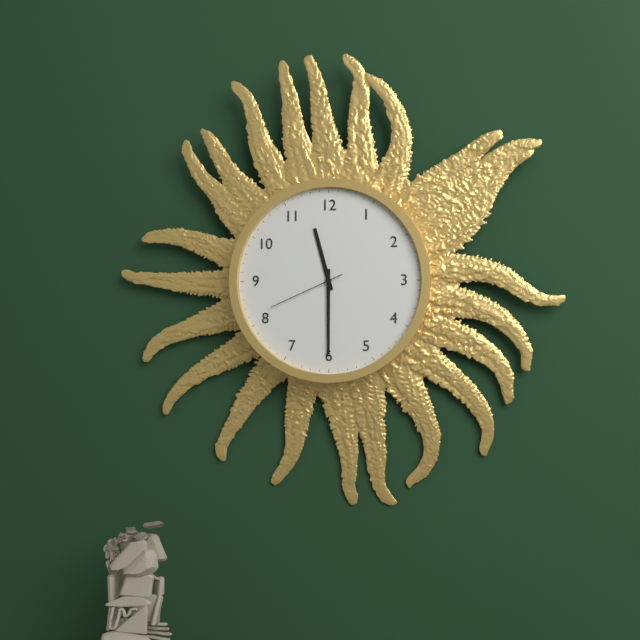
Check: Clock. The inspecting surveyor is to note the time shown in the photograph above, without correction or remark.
11:30:41
